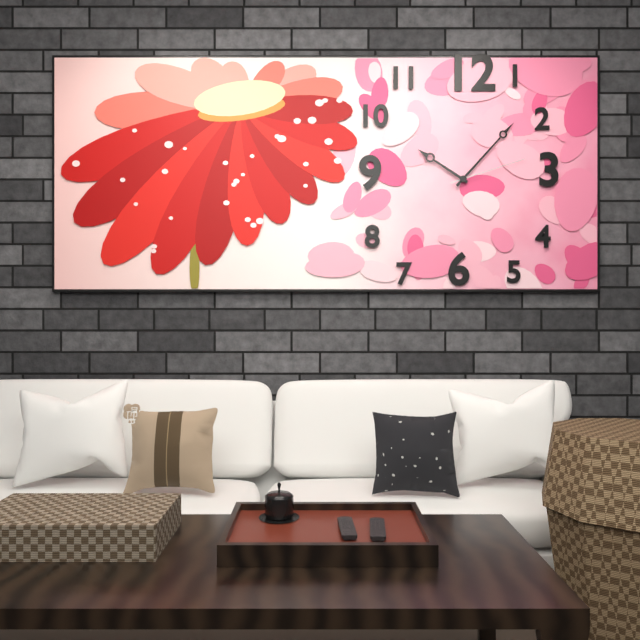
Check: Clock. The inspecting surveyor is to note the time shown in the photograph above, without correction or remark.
10:07:12
